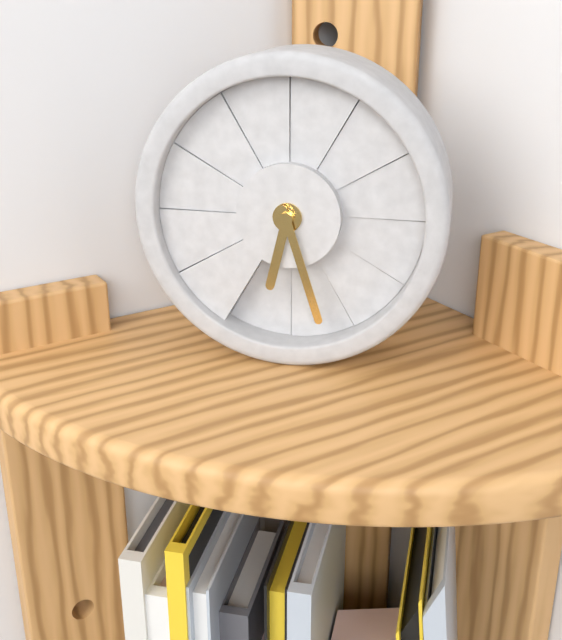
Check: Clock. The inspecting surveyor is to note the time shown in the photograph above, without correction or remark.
6:27
